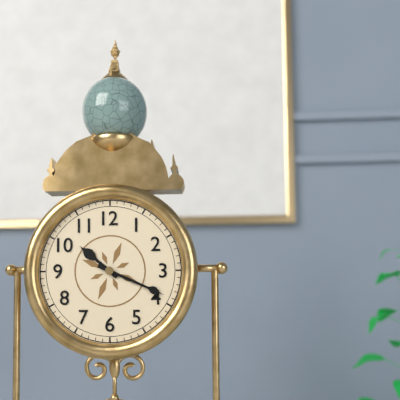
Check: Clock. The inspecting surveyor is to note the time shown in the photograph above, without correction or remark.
10:19
